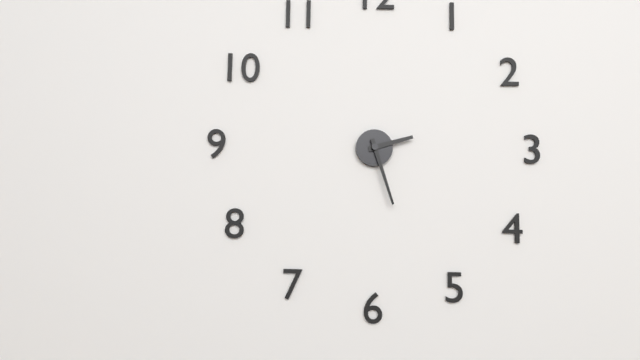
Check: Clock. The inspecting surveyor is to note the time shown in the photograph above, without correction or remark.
2:27
